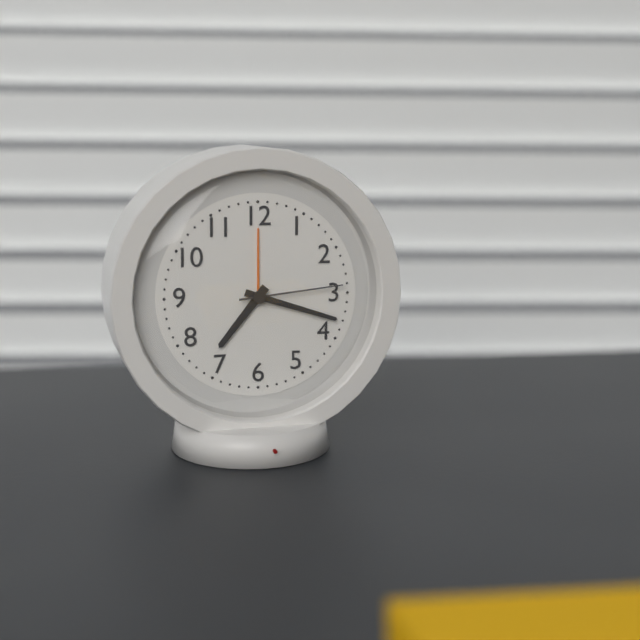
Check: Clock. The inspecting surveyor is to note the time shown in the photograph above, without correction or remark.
7:18:14
